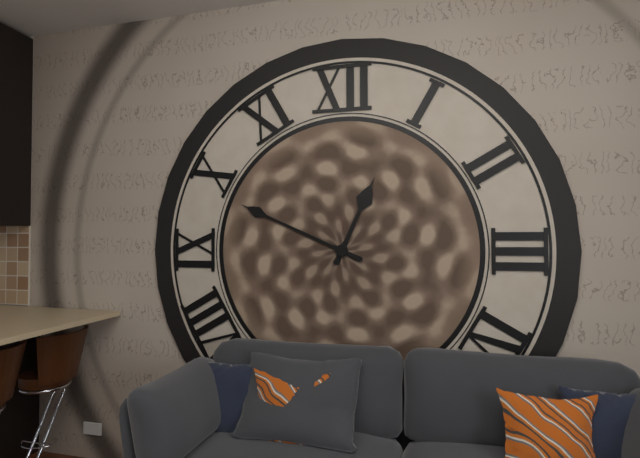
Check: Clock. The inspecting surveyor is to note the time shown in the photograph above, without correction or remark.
12:49
